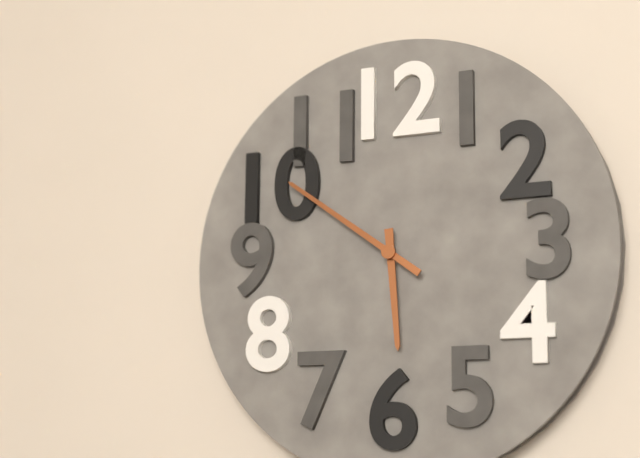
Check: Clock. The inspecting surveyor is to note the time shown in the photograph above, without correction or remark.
5:51
